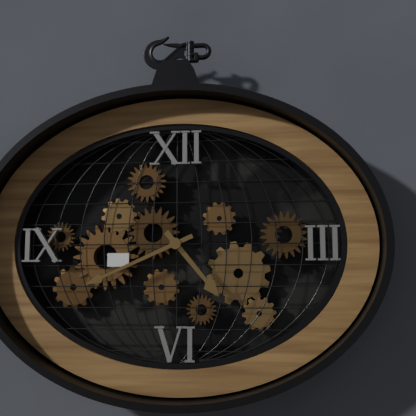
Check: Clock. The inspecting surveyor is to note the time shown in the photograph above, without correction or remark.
4:41
